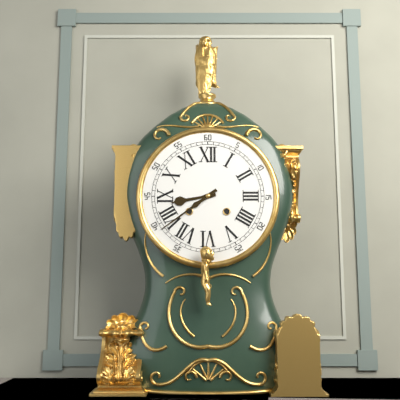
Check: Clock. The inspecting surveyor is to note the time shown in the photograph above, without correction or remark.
8:39
